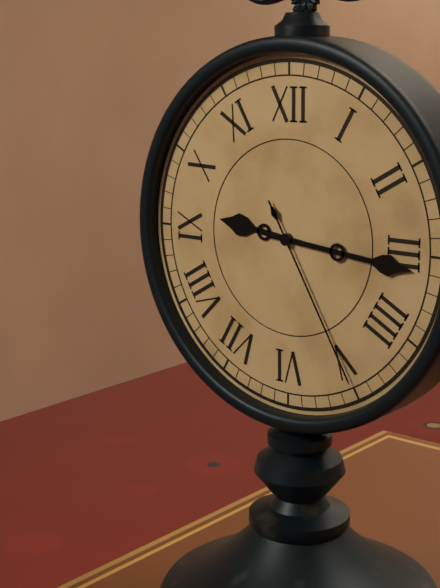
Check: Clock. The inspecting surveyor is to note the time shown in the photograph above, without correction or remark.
9:16:25
